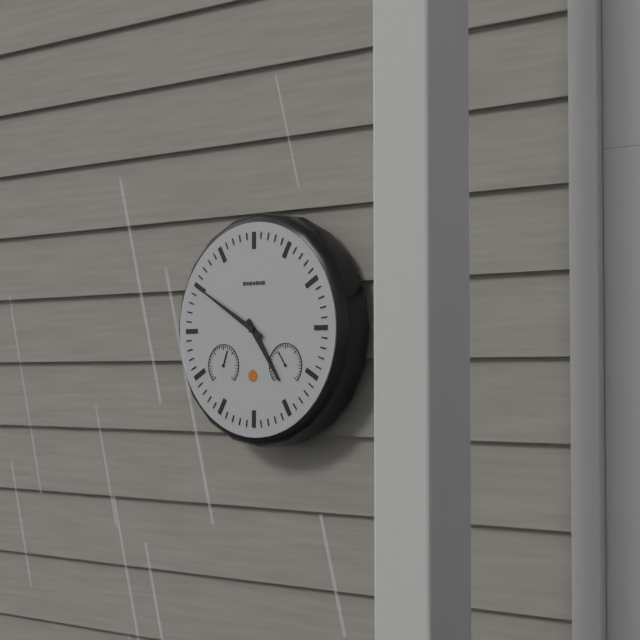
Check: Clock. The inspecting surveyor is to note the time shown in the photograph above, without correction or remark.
4:50
